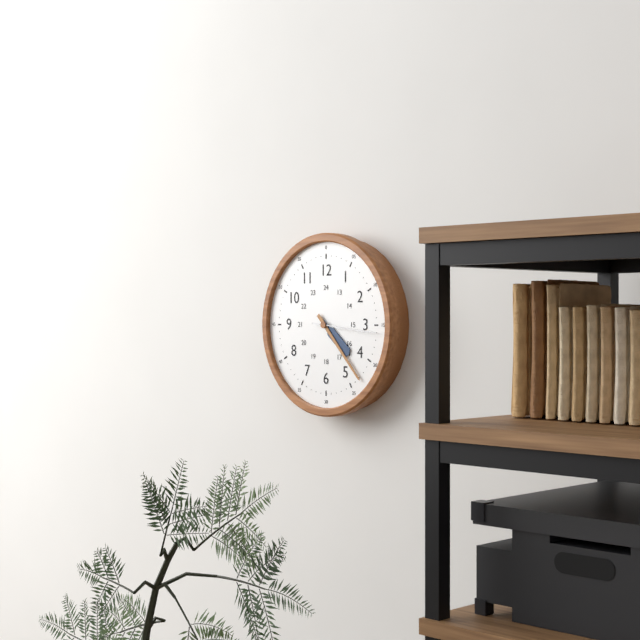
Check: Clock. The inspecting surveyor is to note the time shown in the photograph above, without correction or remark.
4:23:16
